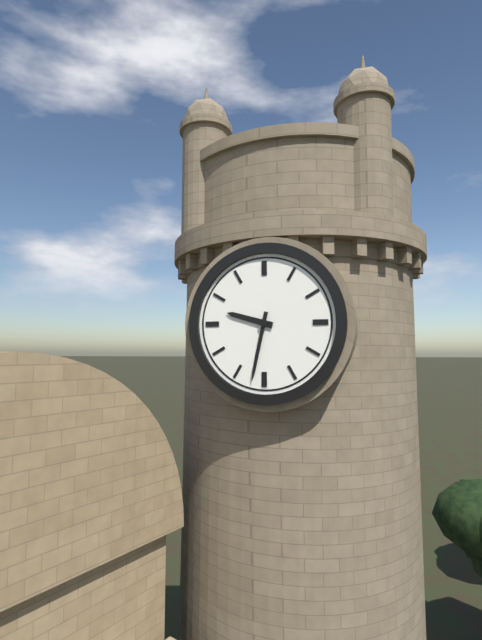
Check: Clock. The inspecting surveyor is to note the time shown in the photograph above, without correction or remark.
9:32
